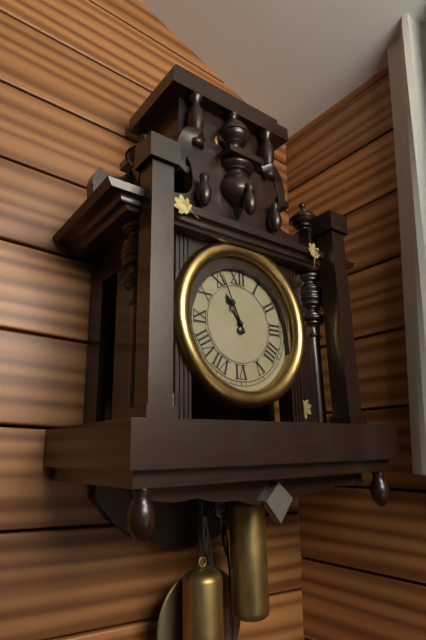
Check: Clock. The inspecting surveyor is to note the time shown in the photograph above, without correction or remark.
10:56
